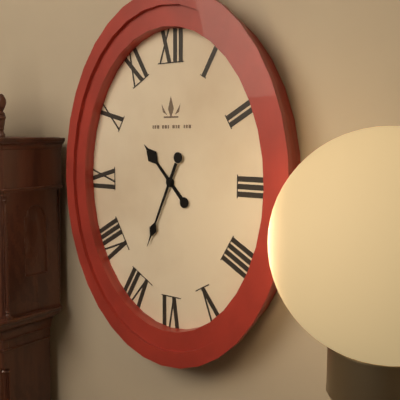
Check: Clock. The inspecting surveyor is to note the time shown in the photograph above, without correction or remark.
10:34
